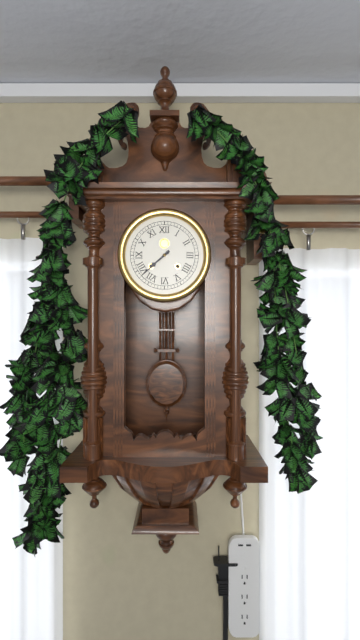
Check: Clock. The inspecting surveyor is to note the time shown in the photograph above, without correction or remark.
7:38
